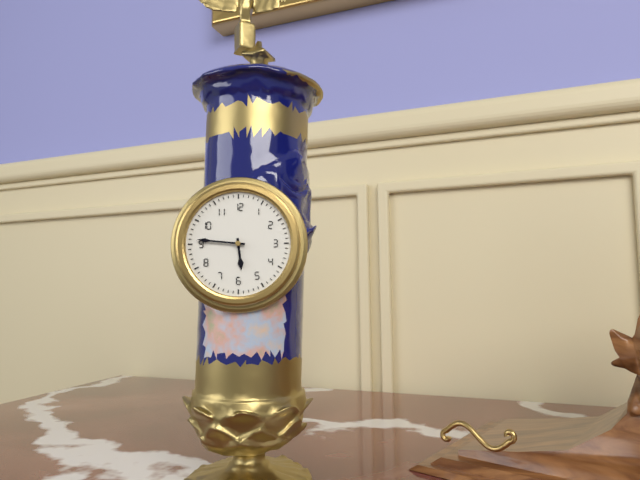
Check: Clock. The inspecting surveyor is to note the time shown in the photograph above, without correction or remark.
5:46
